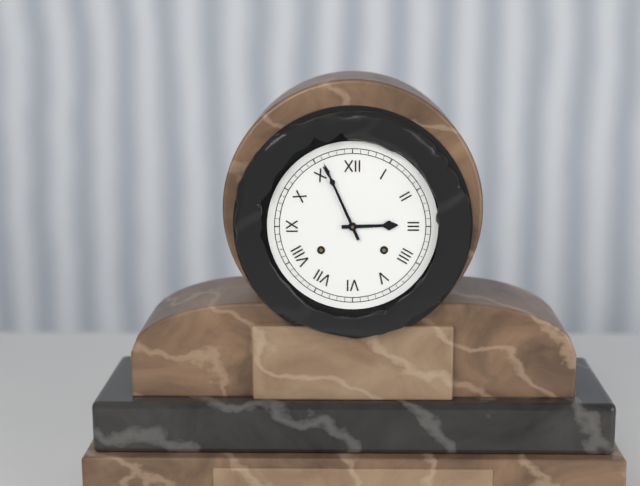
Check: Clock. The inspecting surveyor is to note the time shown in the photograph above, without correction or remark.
2:56
